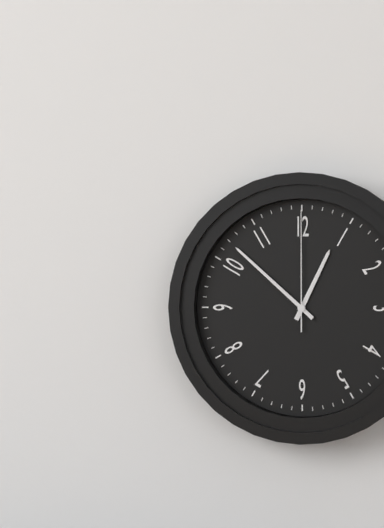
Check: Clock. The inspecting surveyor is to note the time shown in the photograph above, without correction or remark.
12:52:00
